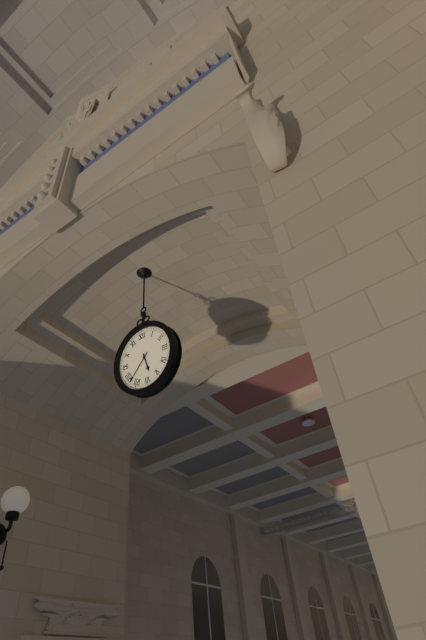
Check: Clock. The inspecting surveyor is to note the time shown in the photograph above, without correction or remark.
5:38
